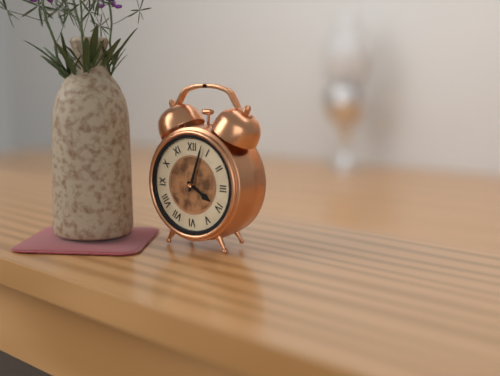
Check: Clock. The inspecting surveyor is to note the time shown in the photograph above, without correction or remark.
4:03
